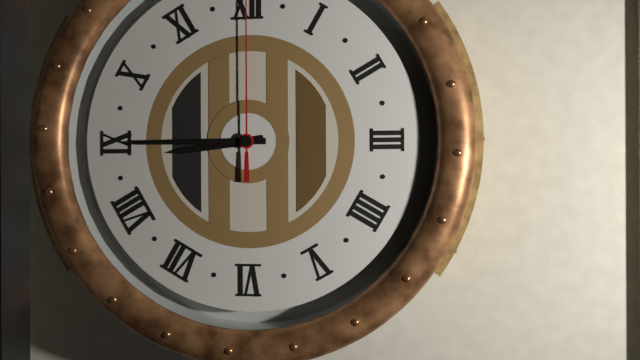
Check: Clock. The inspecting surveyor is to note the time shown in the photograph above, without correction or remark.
8:45
